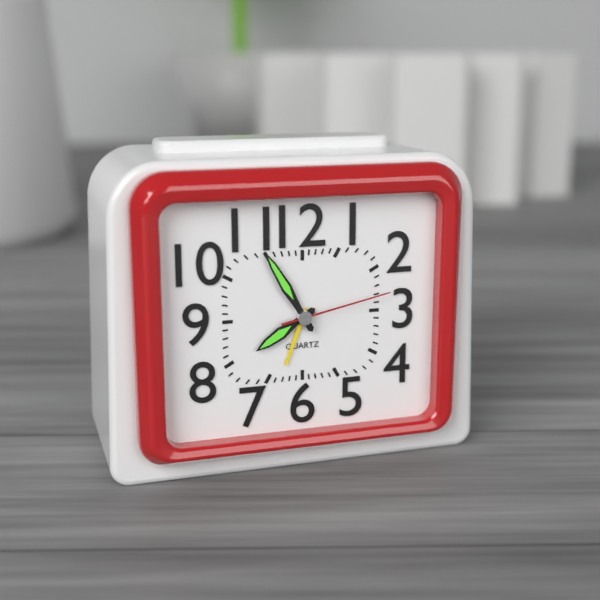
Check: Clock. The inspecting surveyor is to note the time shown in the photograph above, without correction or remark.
7:55:13
